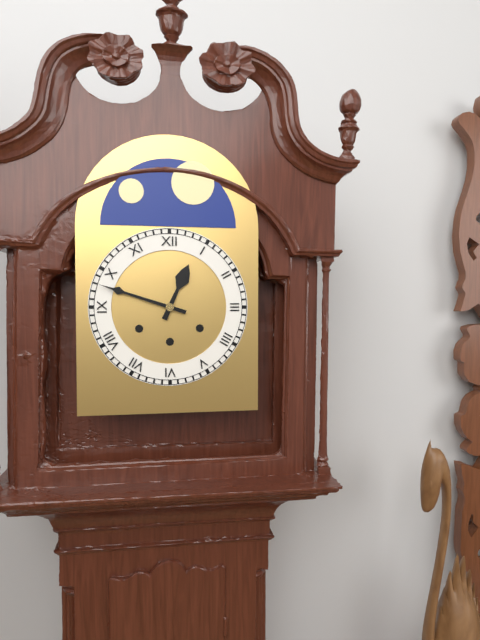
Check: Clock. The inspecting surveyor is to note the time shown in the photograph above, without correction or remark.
12:48
